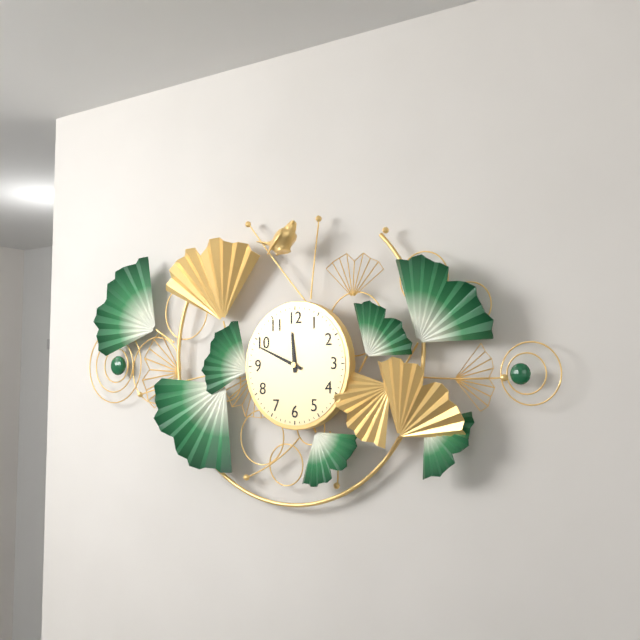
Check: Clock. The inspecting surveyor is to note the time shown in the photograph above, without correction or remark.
11:49
